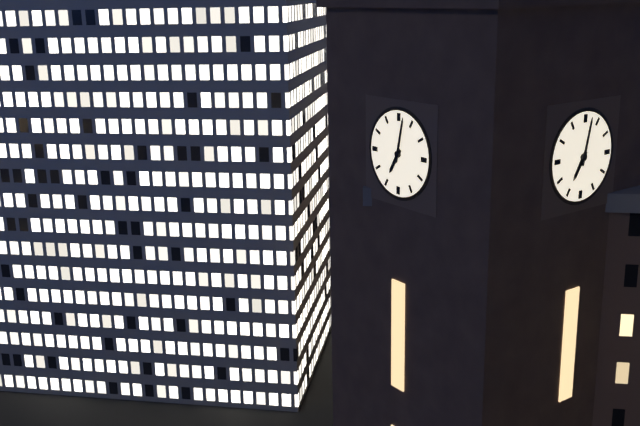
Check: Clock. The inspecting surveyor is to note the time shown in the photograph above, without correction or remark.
7:02
